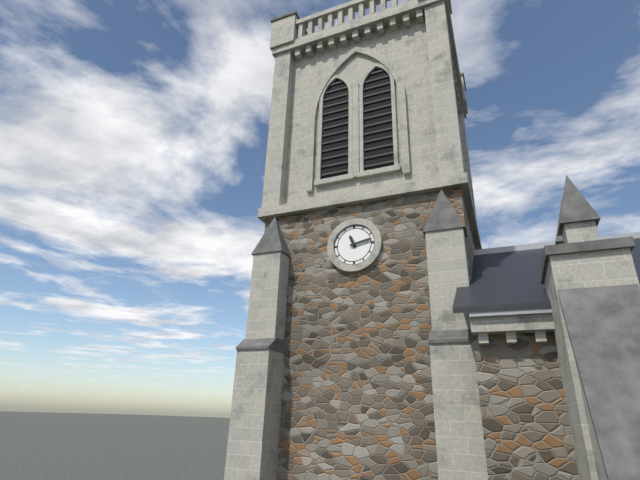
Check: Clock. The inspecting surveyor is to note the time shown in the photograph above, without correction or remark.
11:13
